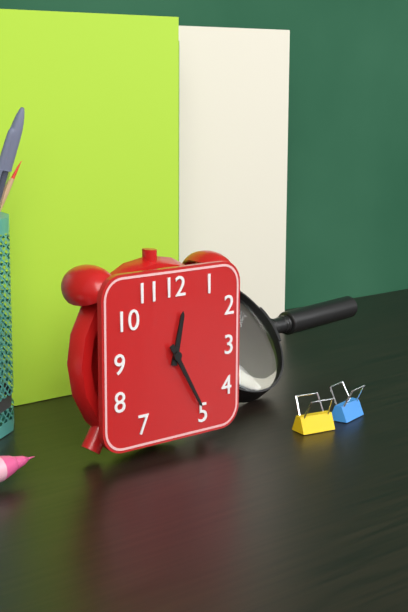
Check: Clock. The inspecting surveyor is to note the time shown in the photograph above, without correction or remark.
12:25
